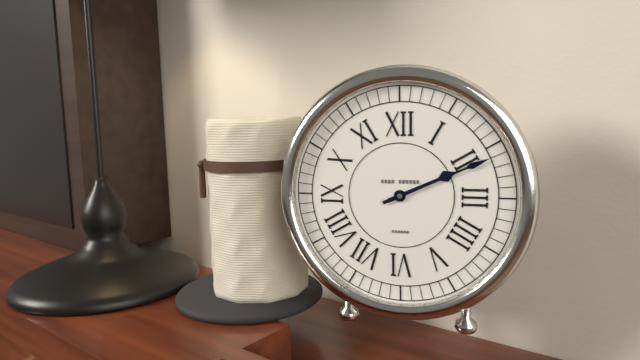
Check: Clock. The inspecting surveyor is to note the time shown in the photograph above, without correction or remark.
2:11
